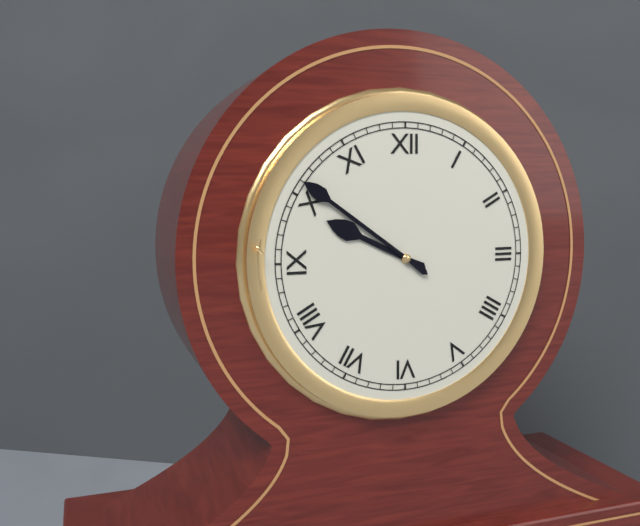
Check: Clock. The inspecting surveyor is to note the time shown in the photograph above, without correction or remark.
9:51
